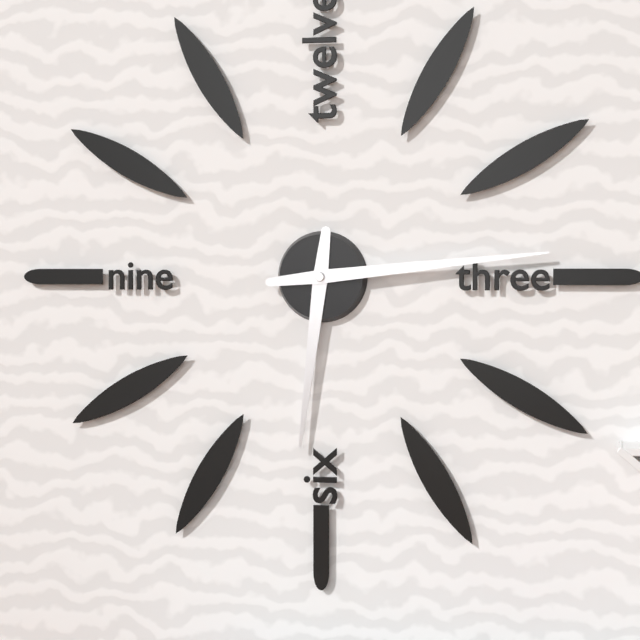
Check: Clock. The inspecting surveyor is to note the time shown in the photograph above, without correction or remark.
6:14
